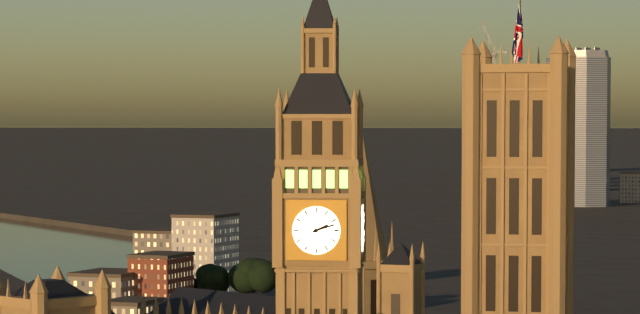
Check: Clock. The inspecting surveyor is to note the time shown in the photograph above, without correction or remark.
2:12
